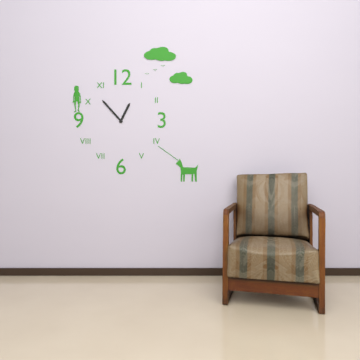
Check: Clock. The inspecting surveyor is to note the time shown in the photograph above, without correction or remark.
12:53
